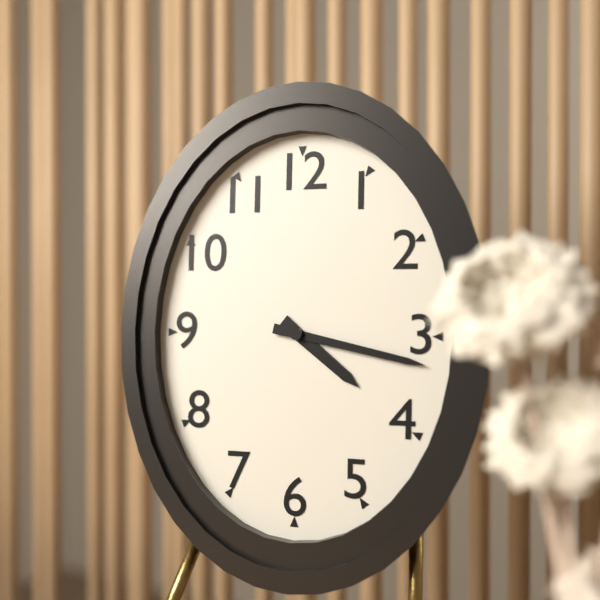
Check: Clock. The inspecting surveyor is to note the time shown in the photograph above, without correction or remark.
4:17
